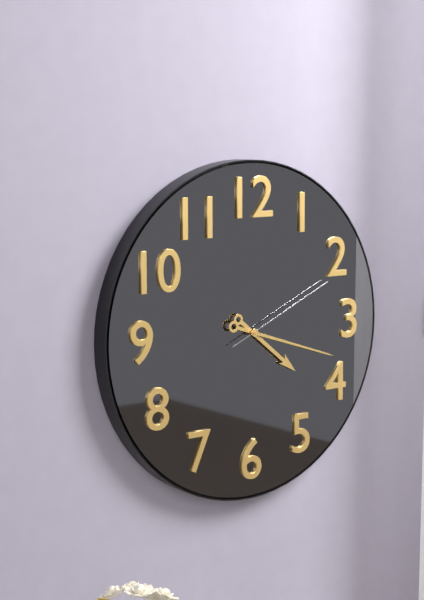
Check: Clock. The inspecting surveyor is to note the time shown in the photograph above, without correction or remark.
4:18:11
